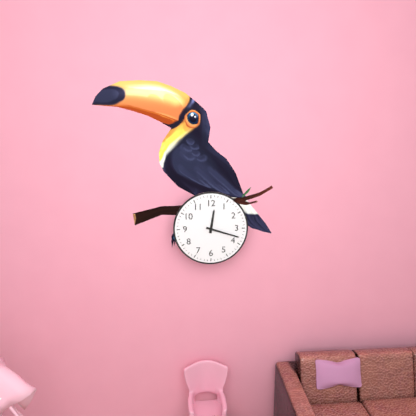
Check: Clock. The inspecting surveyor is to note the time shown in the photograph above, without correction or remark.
12:18
